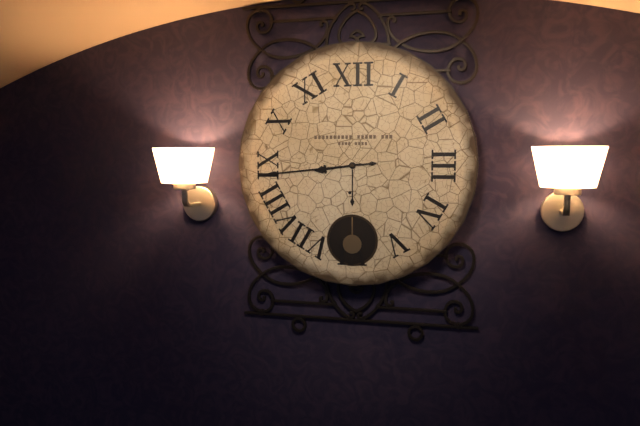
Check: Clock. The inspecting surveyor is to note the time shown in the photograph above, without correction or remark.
8:44
